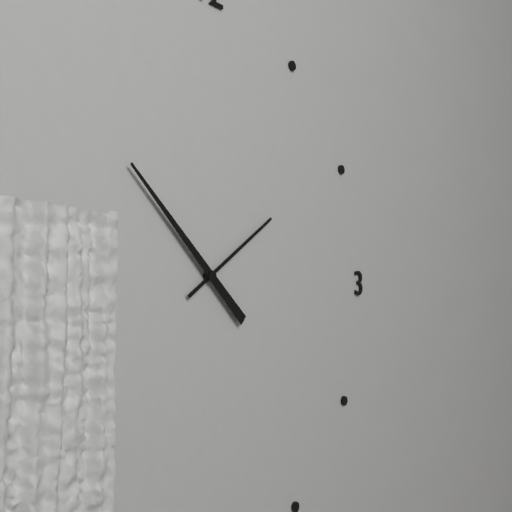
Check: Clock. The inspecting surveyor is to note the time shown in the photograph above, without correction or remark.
1:52
